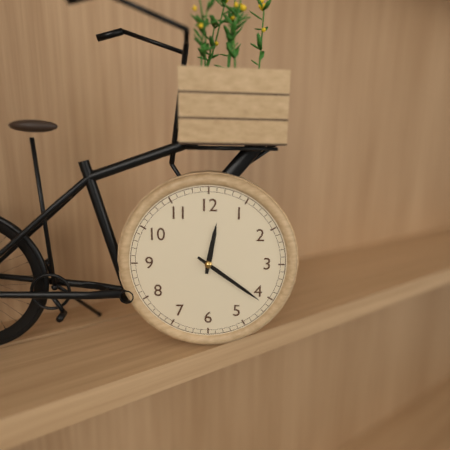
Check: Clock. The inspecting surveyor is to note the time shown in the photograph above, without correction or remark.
12:21
